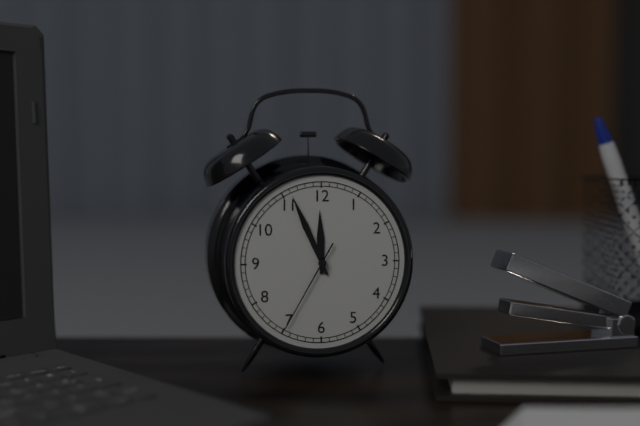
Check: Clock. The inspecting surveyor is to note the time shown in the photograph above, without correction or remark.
11:56:35
